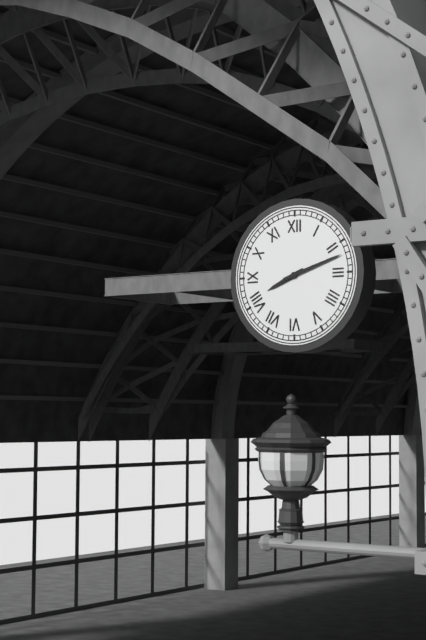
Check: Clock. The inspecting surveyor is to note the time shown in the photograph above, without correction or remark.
8:12
